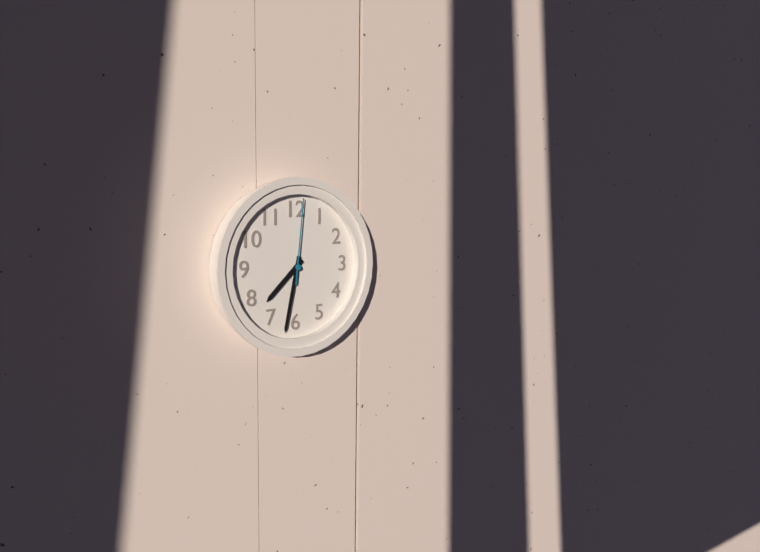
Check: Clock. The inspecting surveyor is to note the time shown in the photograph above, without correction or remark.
7:32:01
